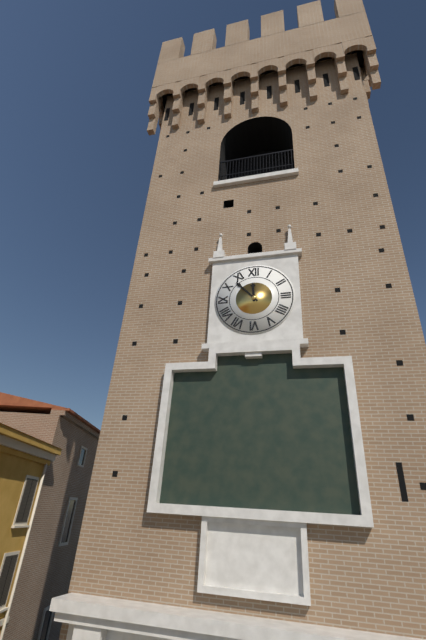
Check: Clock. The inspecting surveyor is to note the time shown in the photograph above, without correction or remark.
11:53
